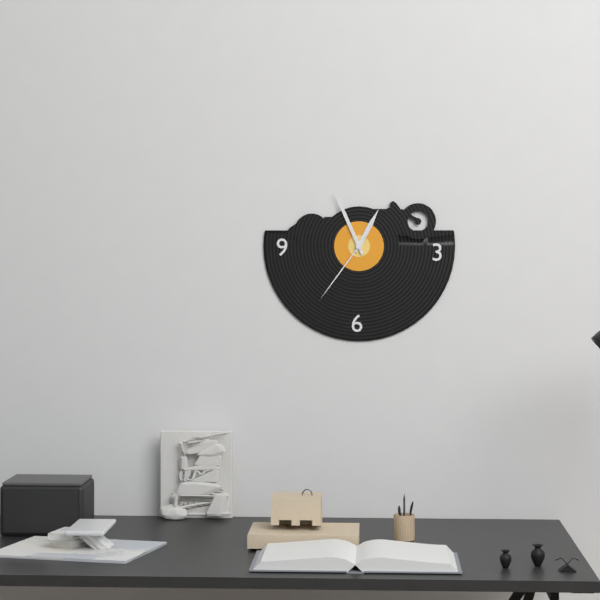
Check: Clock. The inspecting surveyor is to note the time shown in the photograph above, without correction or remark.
12:56:36
